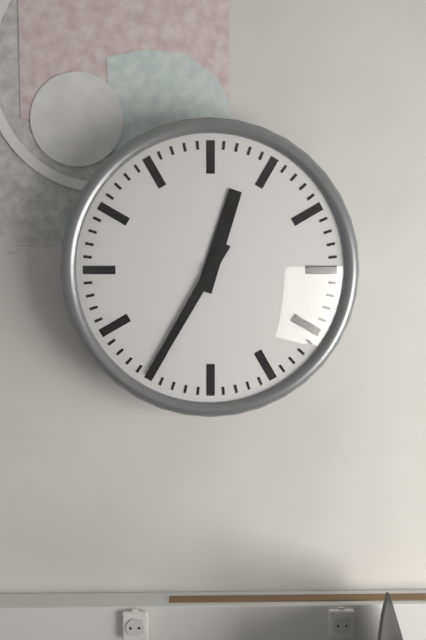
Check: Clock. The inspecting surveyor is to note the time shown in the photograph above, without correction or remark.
12:35
